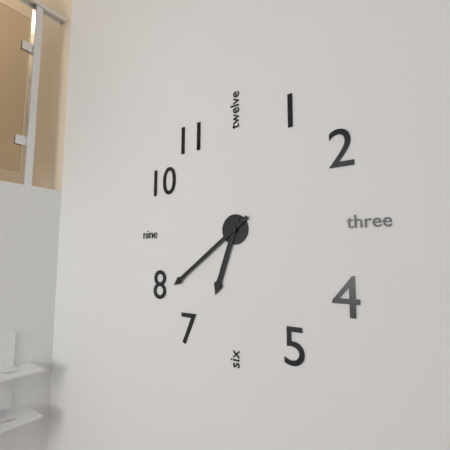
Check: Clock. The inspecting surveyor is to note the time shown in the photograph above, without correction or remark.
6:39
